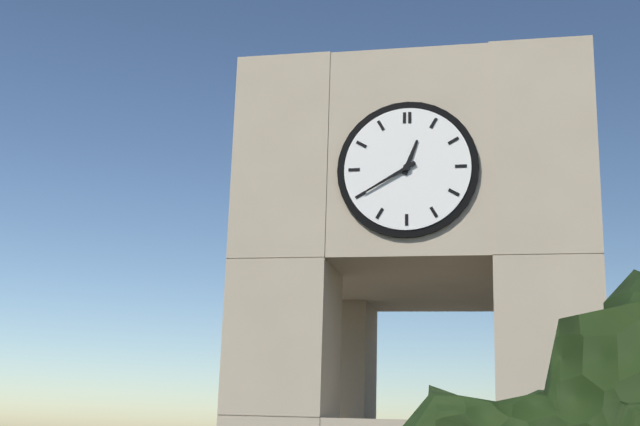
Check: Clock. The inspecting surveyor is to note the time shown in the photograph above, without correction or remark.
12:40
